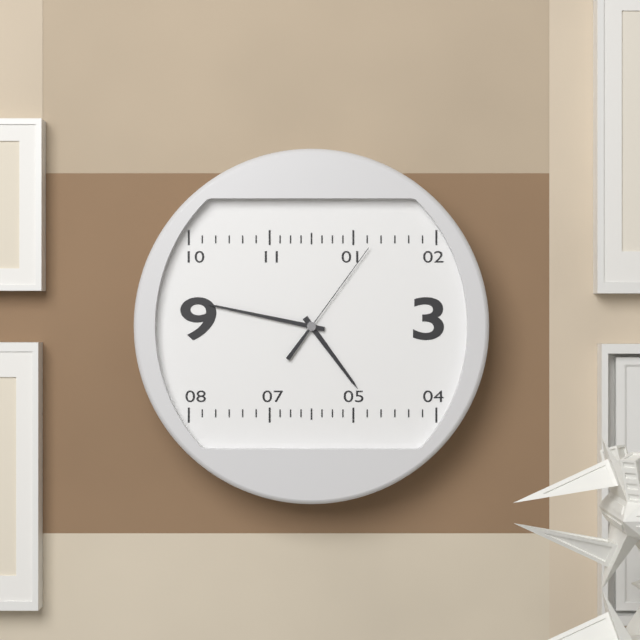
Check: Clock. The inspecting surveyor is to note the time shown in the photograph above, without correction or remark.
4:47:06
